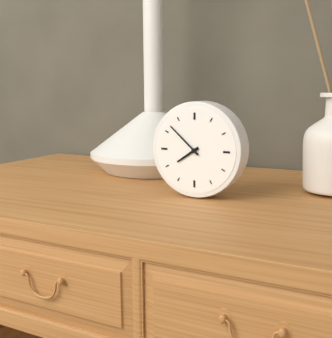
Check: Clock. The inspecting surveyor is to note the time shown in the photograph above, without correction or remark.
7:52
